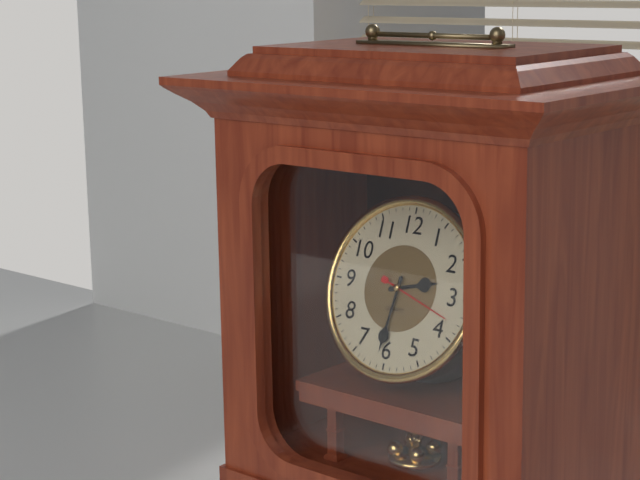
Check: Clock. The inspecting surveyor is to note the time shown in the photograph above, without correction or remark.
2:31:18
